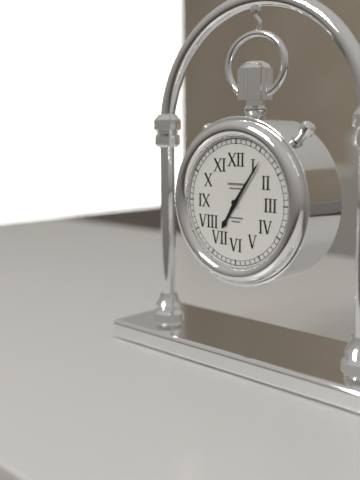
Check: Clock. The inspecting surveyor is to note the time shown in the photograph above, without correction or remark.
7:06
